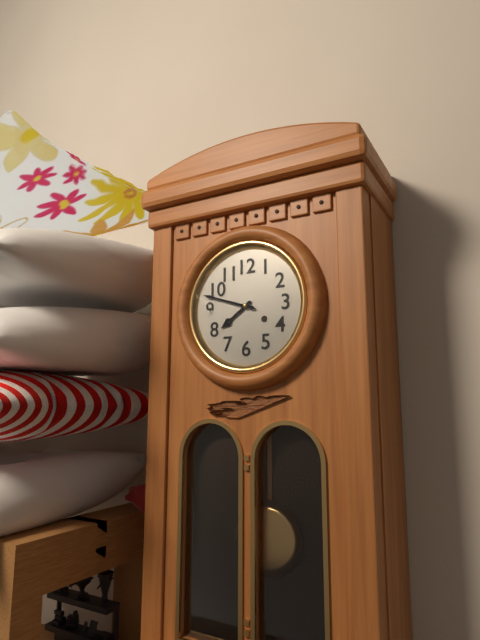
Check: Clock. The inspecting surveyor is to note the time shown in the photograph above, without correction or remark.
7:48
